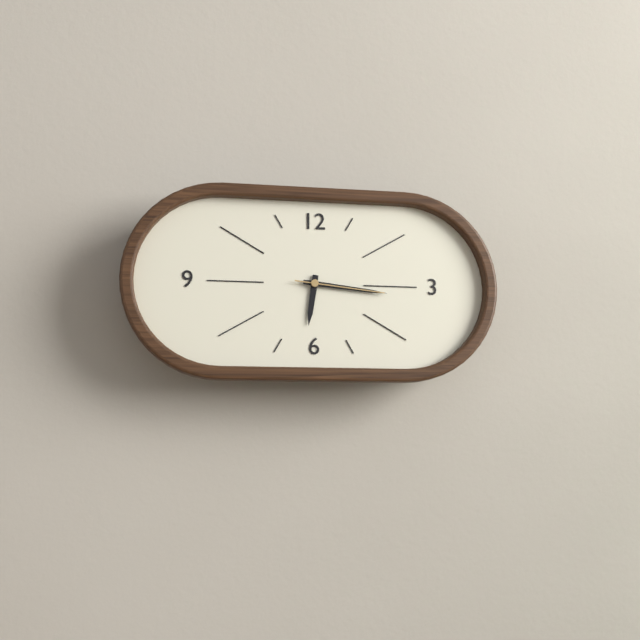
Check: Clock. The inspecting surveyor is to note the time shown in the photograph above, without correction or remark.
6:16:16
